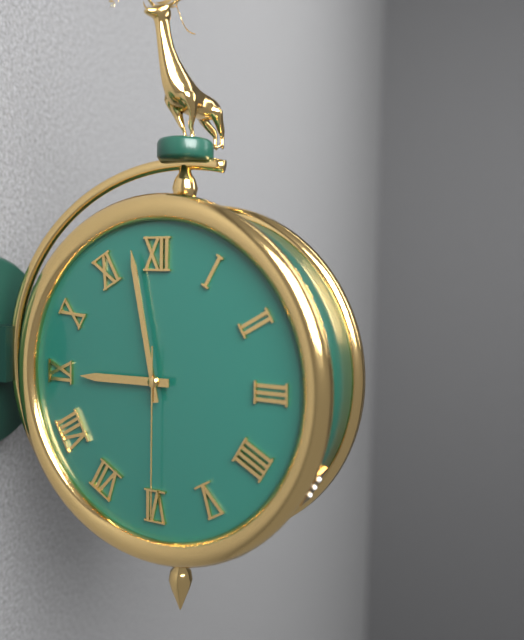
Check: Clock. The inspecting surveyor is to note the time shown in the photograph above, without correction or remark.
8:58:30
